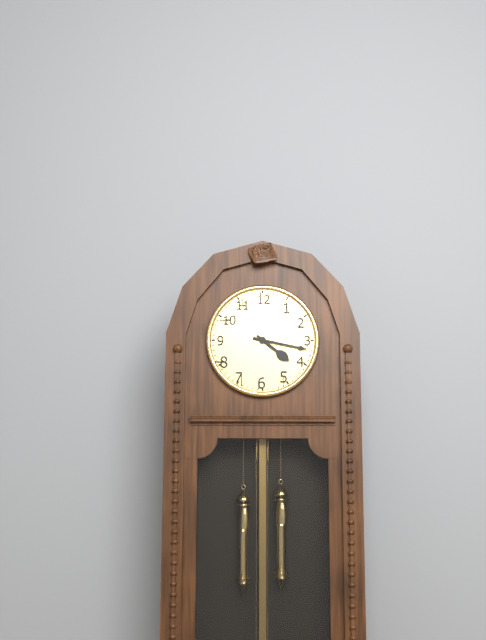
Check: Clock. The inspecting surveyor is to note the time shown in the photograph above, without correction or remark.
4:17
